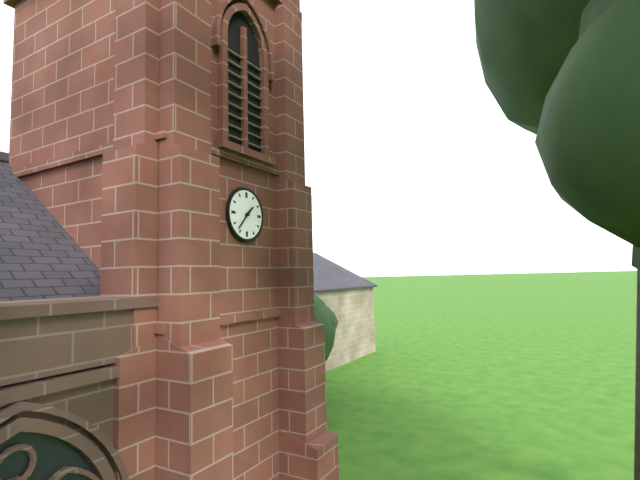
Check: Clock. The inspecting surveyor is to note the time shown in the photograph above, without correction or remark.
1:37
